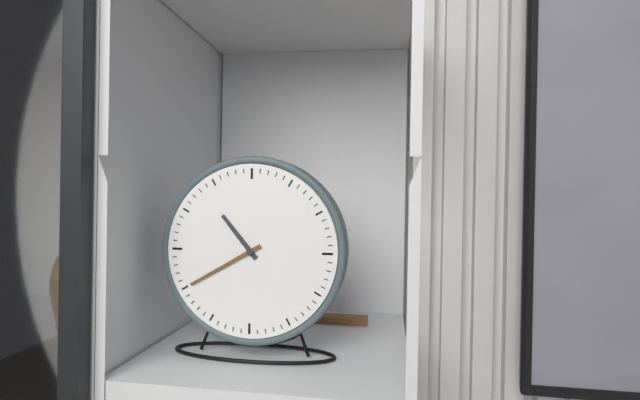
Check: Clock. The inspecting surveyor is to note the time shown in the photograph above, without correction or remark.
10:40
